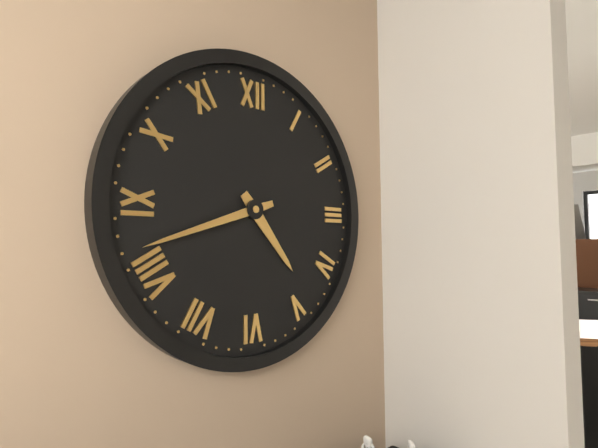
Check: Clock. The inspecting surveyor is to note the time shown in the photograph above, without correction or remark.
4:42
